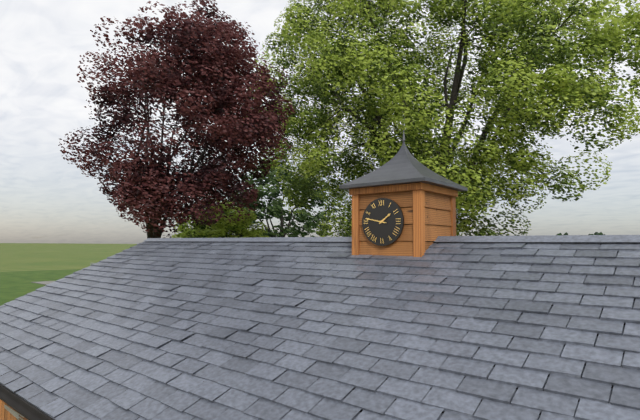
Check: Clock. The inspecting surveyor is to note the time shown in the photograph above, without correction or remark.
1:47
